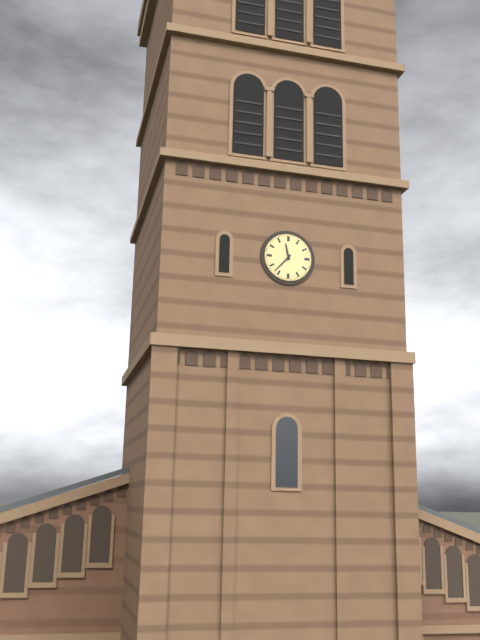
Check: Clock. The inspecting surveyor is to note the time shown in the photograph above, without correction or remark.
11:37
